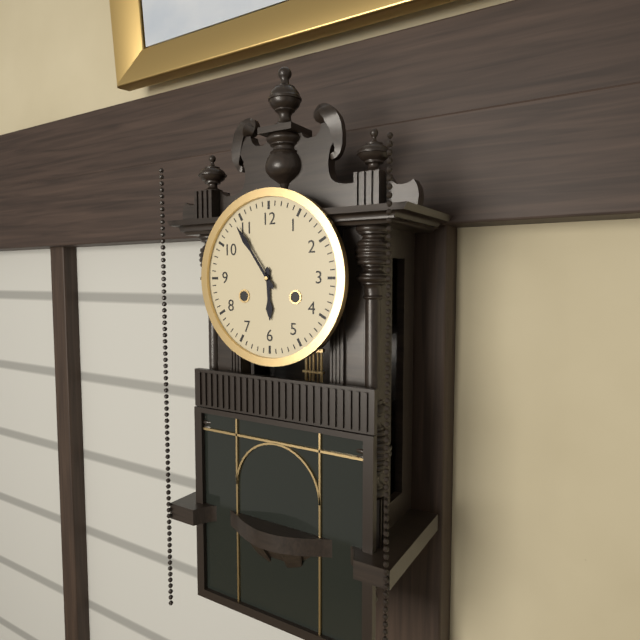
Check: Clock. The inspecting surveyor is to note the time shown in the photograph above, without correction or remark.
5:54
